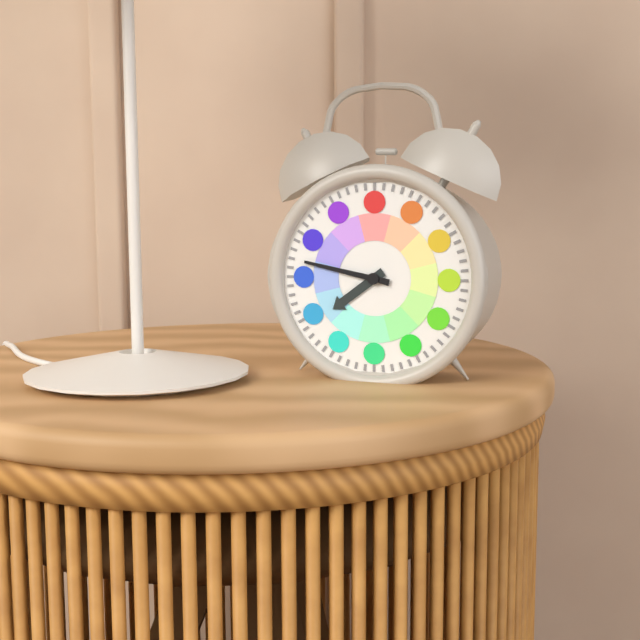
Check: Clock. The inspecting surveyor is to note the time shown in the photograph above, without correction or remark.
7:47
